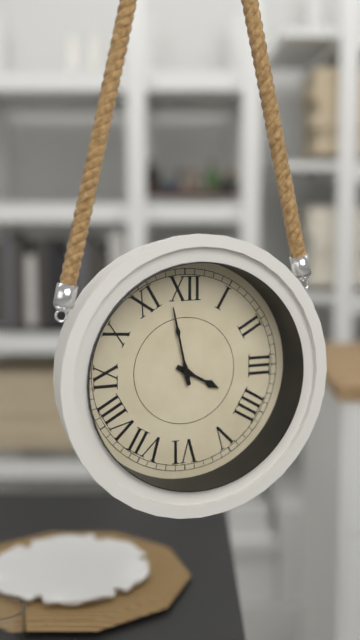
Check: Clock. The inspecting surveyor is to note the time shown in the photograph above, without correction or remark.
3:58
